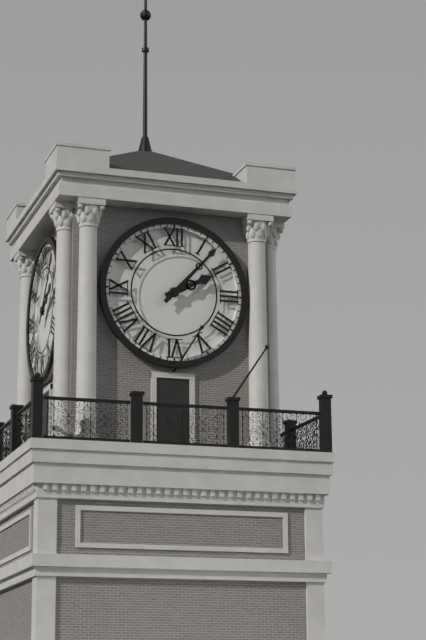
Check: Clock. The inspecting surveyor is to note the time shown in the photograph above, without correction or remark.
2:07
